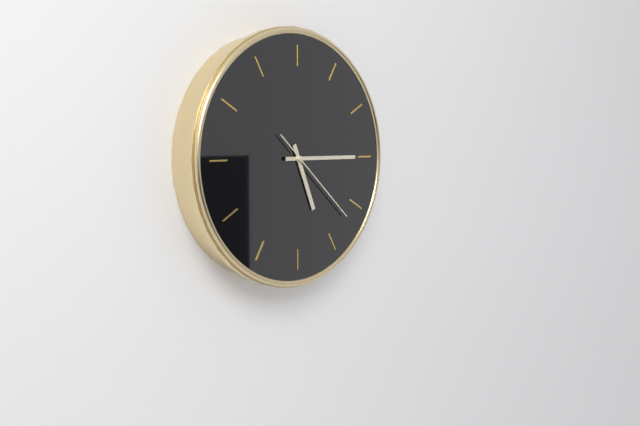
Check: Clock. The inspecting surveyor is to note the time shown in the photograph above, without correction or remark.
5:15:22
